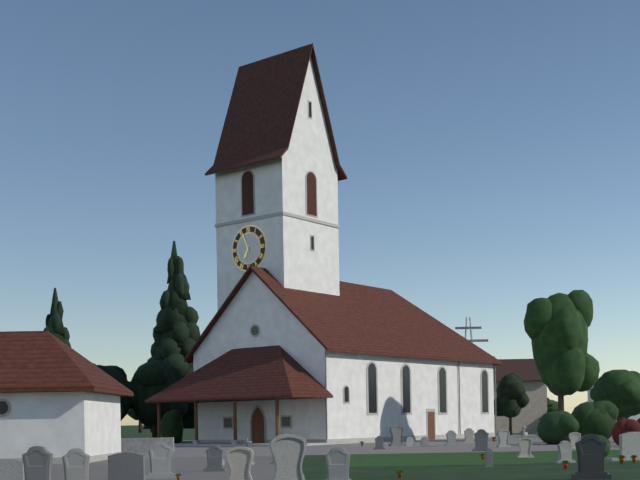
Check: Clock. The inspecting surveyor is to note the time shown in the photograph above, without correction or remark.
6:56
